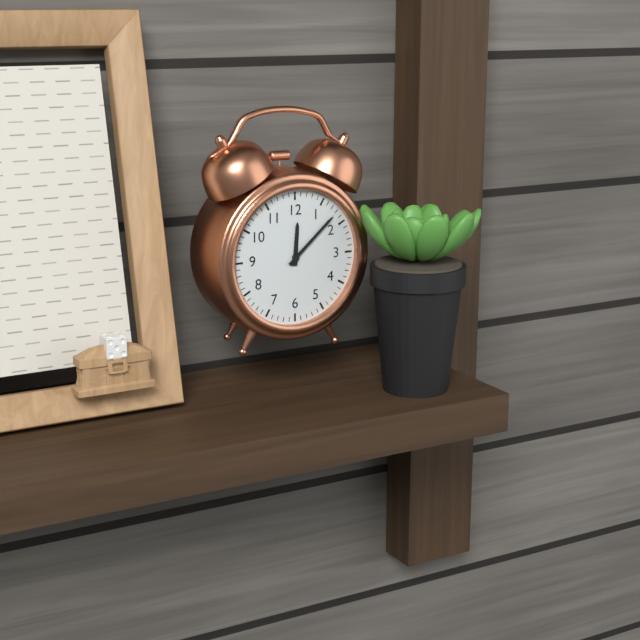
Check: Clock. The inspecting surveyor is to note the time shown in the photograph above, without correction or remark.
12:08
